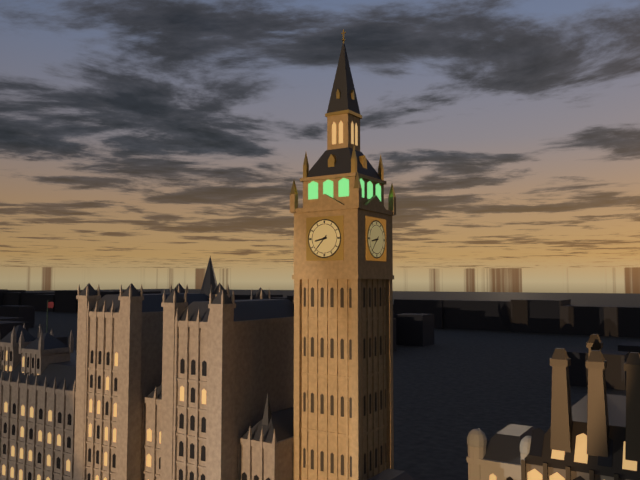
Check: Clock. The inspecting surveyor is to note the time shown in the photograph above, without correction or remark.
8:37
